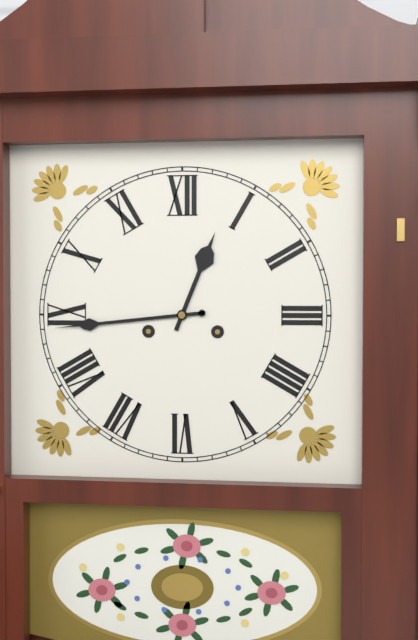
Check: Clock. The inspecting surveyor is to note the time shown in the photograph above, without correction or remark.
12:44
